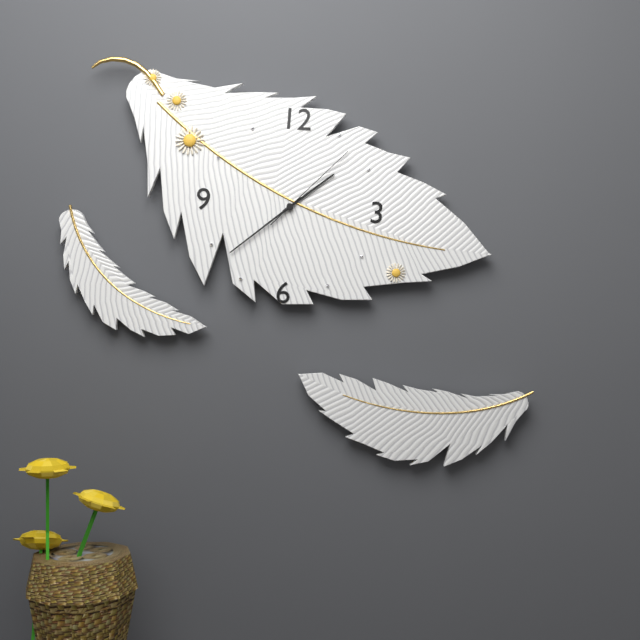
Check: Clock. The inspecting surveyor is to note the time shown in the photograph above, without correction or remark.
1:38:07
